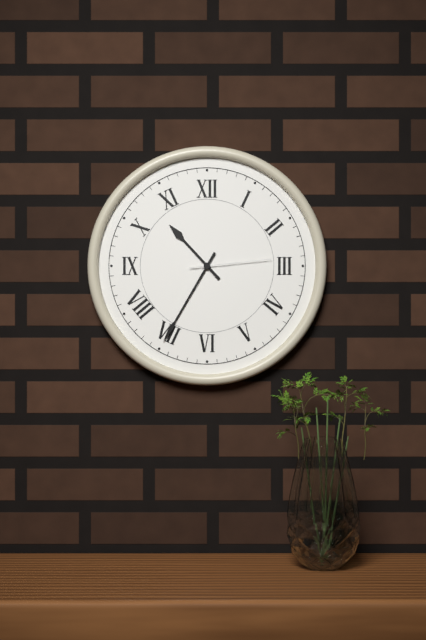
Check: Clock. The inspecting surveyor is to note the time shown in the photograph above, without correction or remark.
10:35:14
